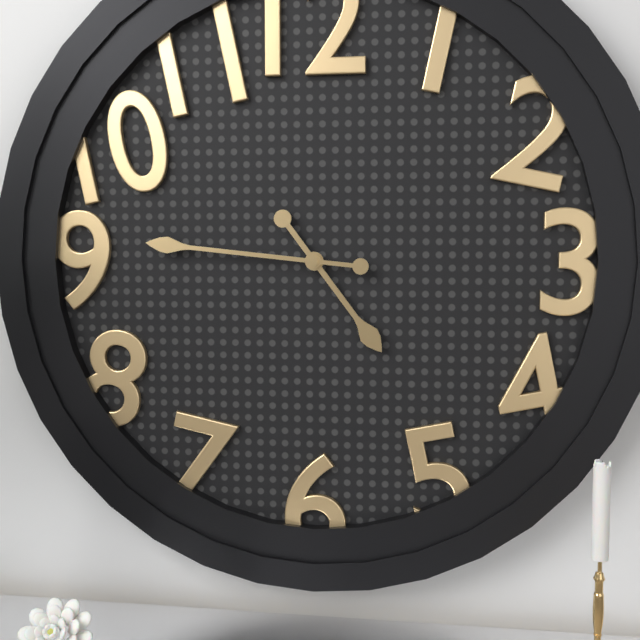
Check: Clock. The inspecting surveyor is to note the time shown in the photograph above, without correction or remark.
4:46
